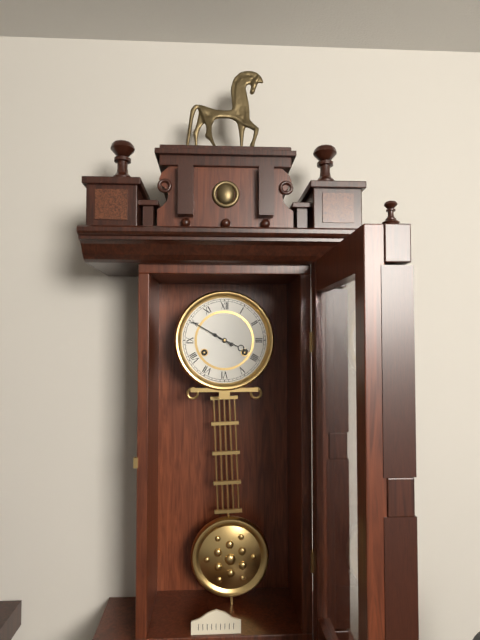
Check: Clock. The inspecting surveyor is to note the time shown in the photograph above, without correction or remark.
3:50
